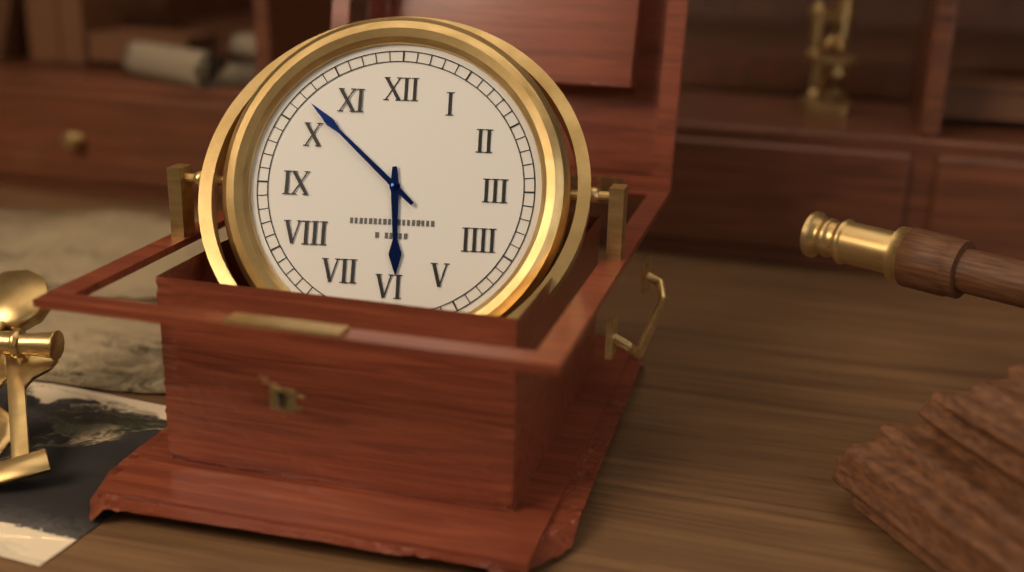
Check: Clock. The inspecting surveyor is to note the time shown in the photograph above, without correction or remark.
5:52
